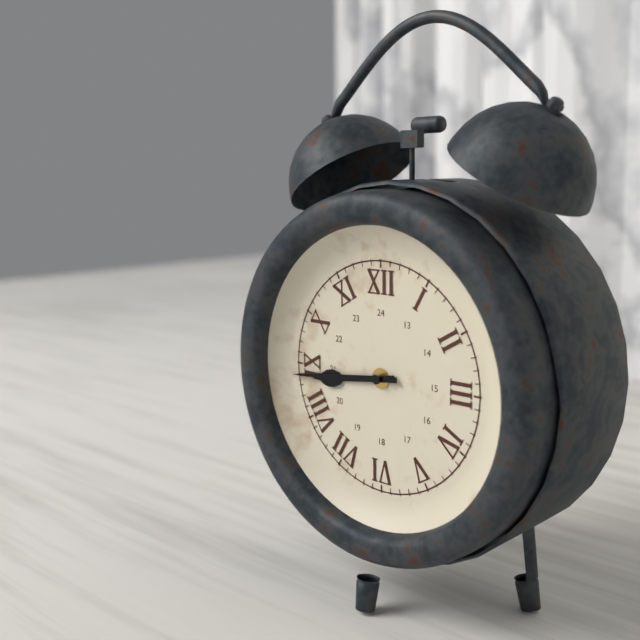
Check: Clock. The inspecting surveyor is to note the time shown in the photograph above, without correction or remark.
8:44
